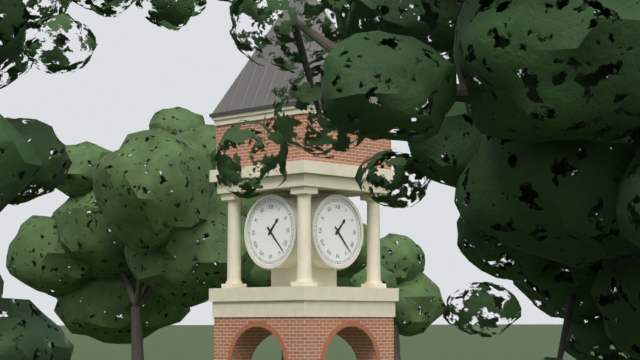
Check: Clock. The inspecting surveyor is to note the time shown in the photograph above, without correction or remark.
1:23
